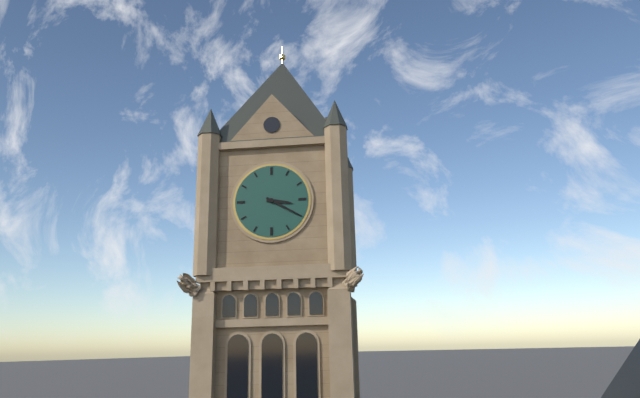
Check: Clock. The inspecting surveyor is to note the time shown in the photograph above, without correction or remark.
3:20
